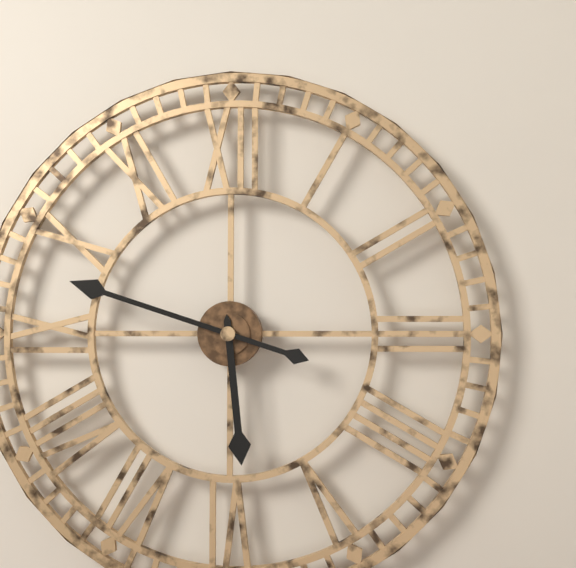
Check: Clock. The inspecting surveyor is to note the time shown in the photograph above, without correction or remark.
5:48
